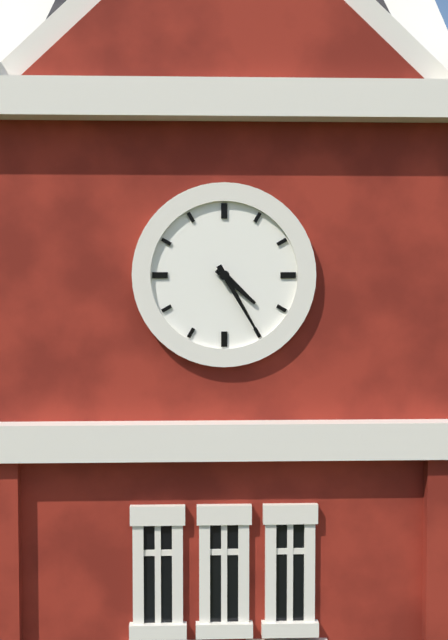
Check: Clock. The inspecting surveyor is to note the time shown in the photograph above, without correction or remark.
4:25
